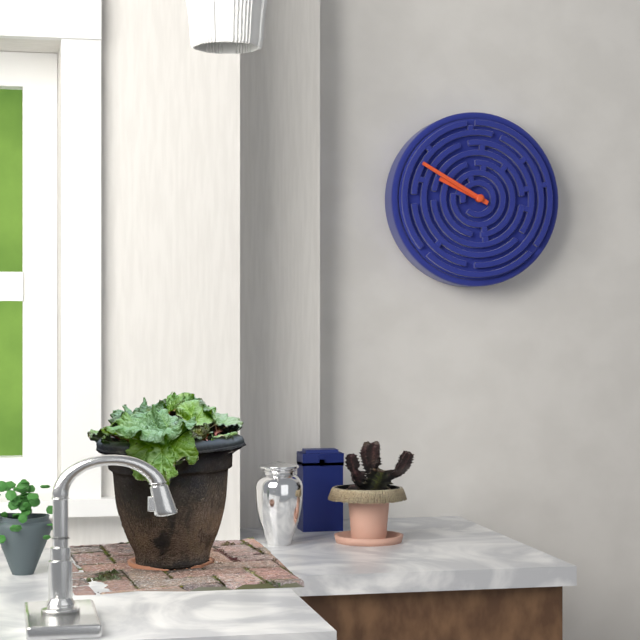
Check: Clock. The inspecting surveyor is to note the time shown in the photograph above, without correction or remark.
9:50
